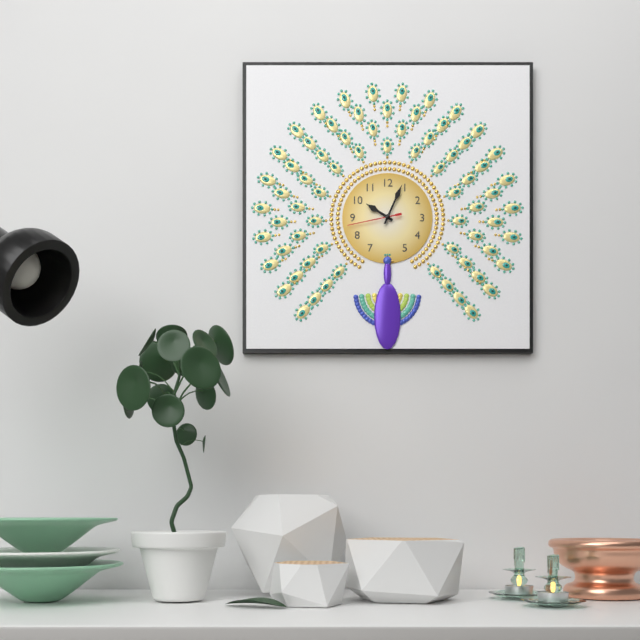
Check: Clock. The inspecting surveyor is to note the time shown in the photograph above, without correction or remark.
10:04:43
